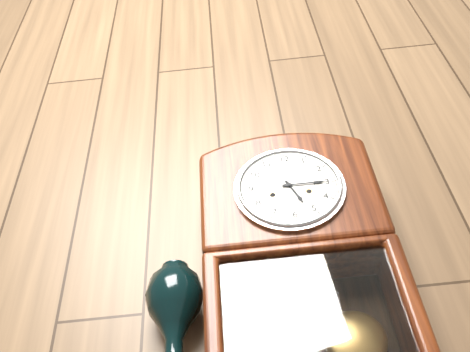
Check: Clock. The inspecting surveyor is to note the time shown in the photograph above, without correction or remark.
5:15
